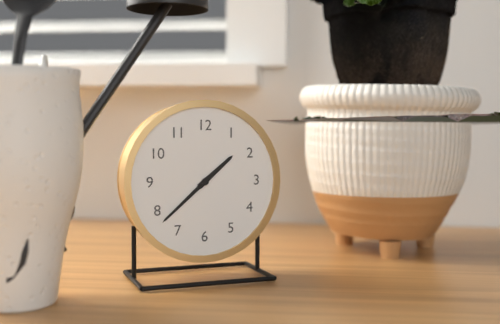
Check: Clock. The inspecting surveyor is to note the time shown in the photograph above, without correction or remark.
1:38
